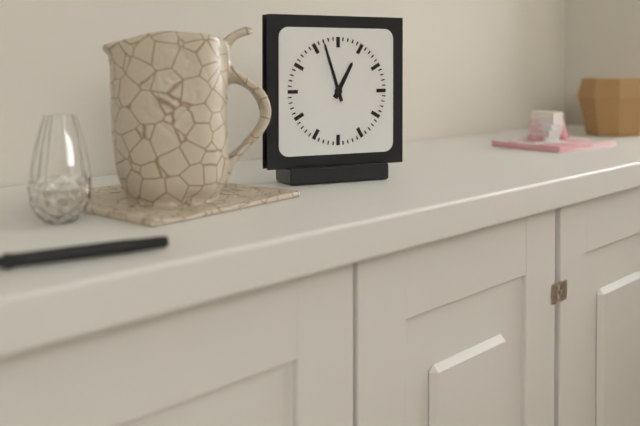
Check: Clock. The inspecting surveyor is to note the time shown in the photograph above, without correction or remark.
12:57
